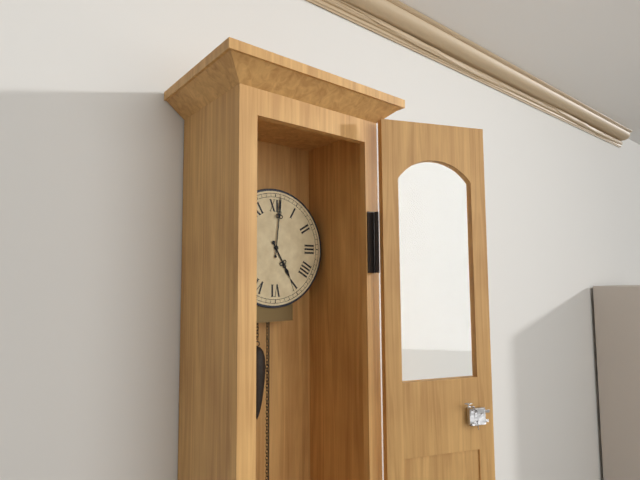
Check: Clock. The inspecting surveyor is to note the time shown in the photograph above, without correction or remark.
5:01
